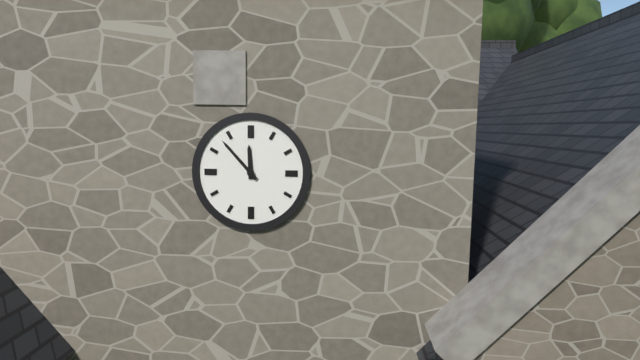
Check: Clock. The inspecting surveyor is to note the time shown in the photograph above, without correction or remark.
11:53
